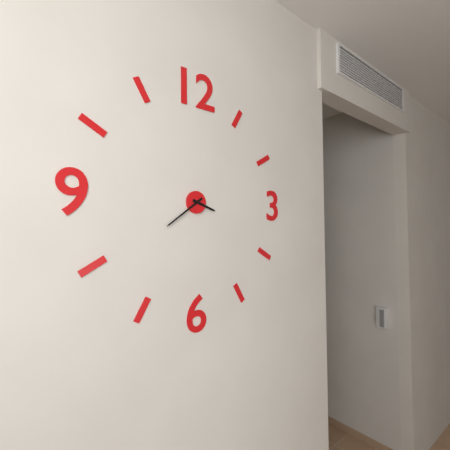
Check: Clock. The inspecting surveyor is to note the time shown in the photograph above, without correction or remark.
3:39
